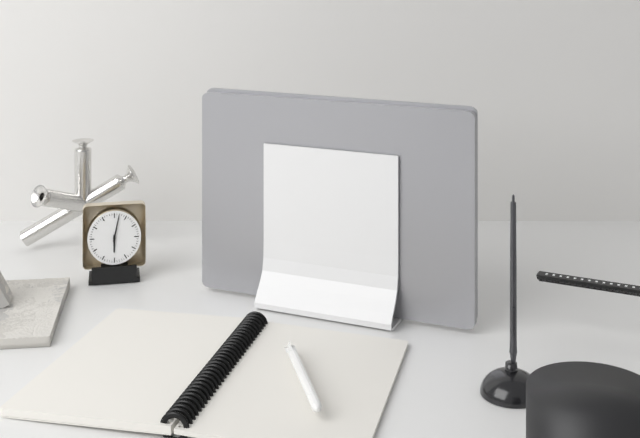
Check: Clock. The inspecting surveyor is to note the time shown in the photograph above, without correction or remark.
6:02
